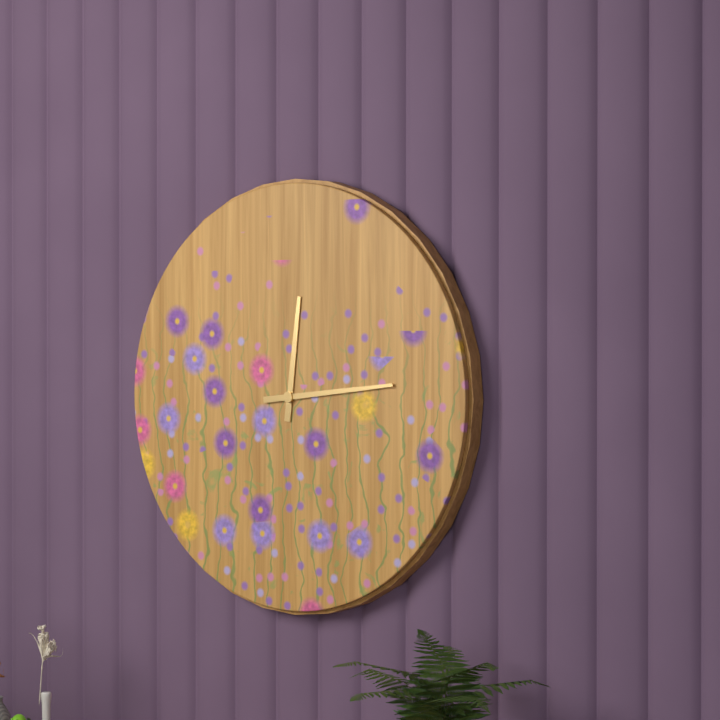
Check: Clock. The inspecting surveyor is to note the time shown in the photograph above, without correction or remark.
12:14
